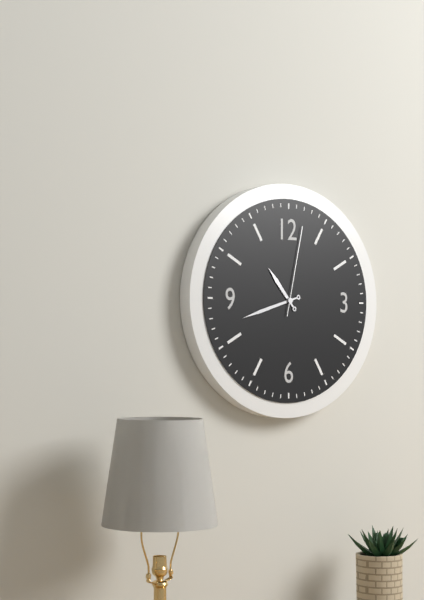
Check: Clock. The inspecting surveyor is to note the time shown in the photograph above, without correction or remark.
10:42:02
